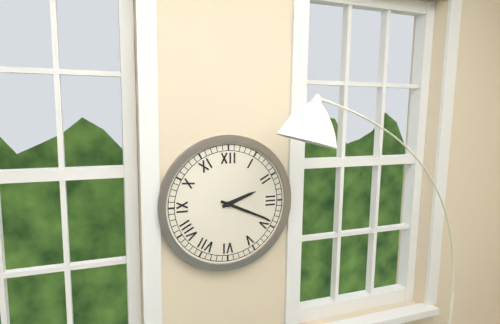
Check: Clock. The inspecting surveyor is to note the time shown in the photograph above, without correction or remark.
2:19
